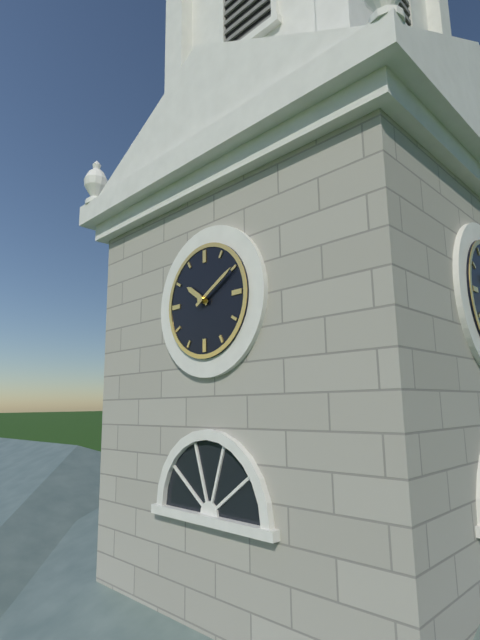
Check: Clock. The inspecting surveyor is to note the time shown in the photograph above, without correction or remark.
10:10
